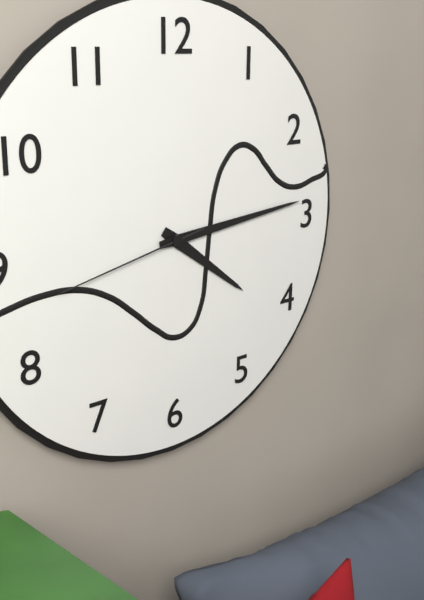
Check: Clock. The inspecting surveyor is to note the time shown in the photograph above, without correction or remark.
4:14:43
